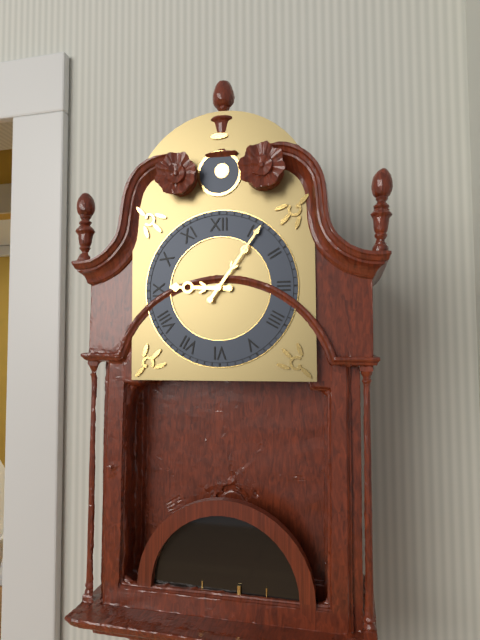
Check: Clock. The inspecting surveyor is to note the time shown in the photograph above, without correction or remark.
9:06
